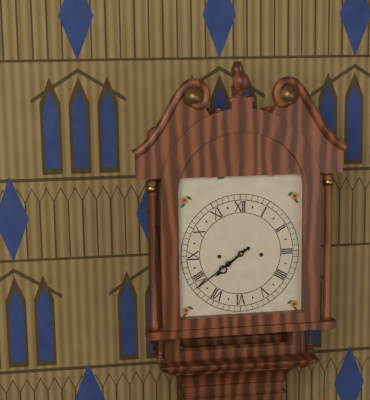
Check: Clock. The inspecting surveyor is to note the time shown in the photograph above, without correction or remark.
7:39
